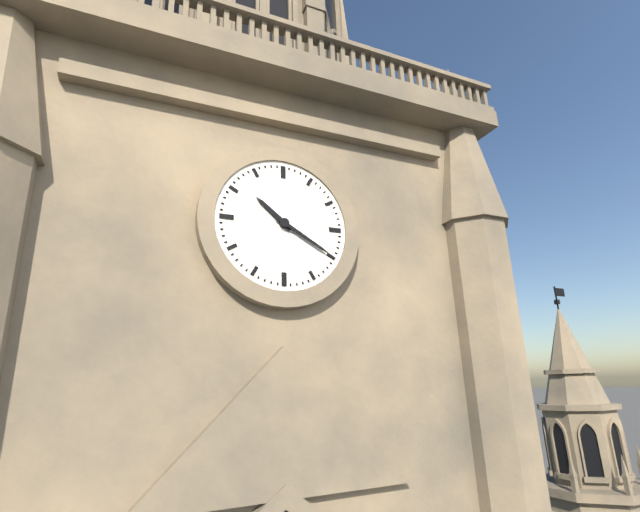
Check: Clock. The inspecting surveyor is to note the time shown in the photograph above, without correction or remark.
10:20
